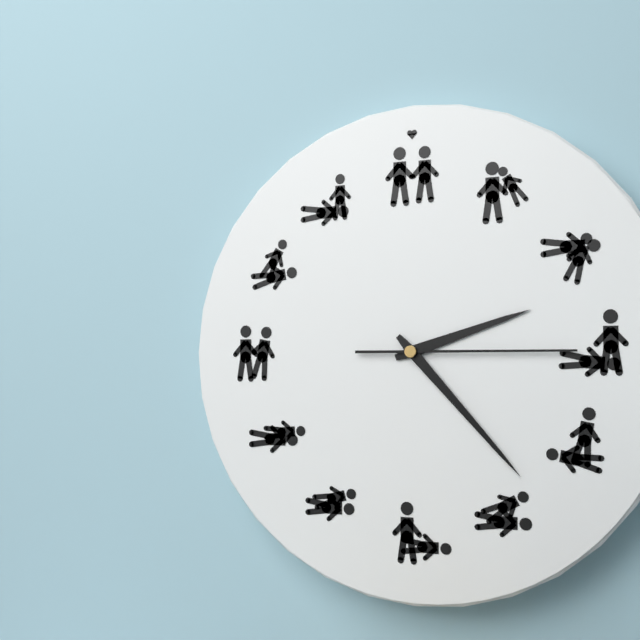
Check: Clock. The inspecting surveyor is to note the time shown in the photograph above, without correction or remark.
2:23:15
